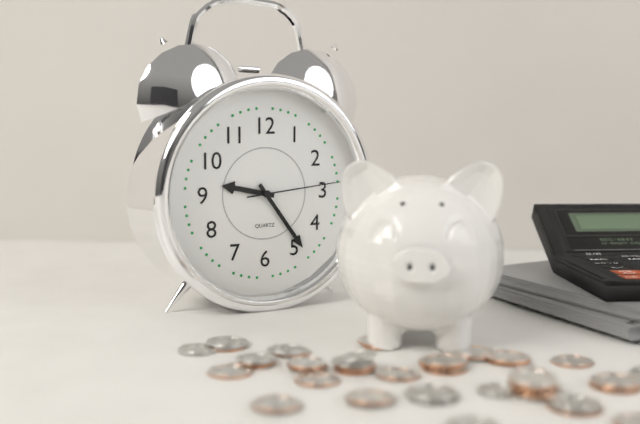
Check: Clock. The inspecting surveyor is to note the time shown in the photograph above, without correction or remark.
9:24:14
